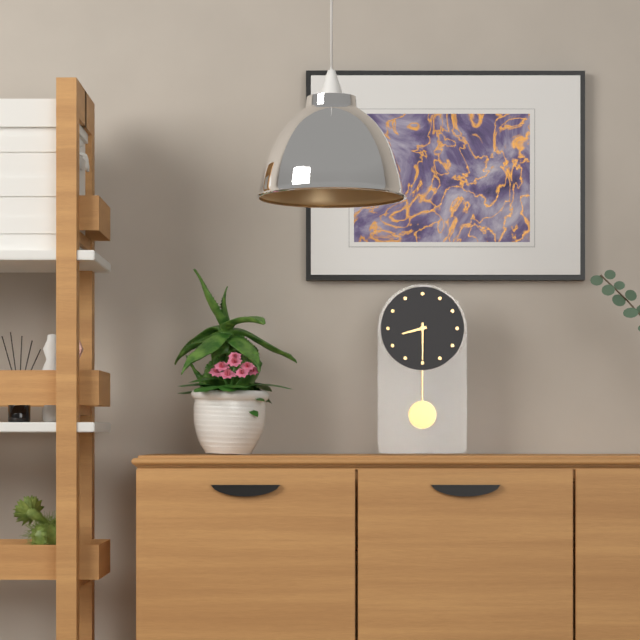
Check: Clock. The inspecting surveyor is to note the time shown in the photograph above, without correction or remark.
8:30
